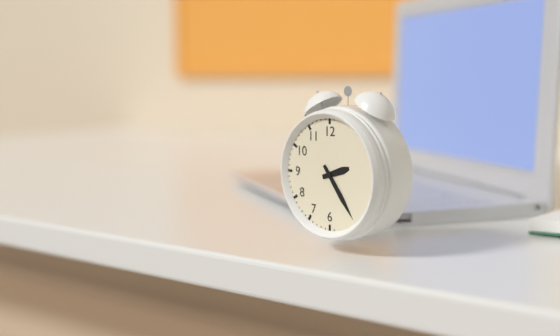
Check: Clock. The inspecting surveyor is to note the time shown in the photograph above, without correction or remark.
2:24
